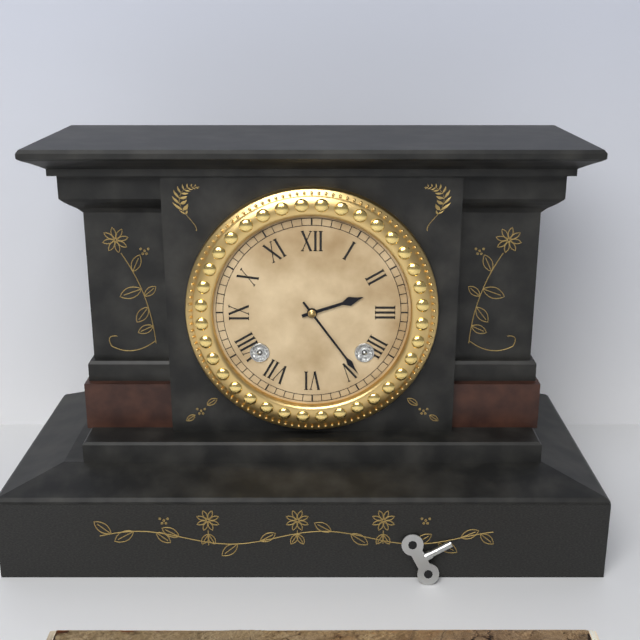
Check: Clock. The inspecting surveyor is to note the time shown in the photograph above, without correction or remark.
2:24
